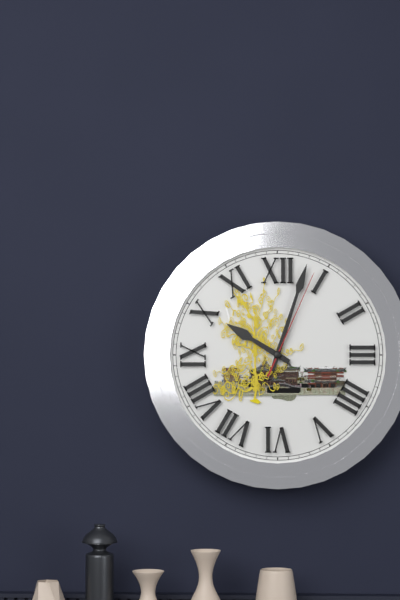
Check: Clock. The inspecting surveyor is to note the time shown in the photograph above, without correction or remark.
10:03:04
